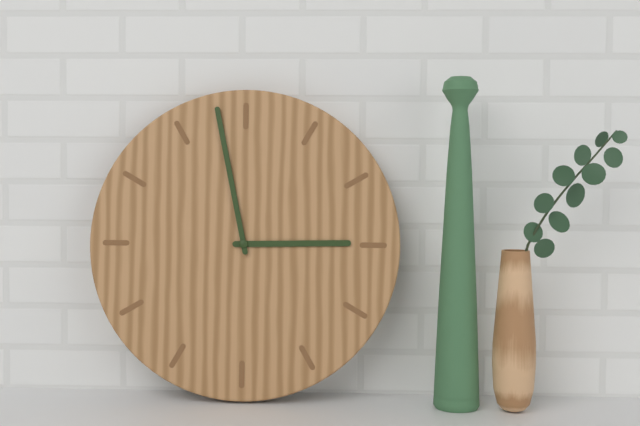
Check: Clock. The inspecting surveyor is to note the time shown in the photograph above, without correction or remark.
2:58
